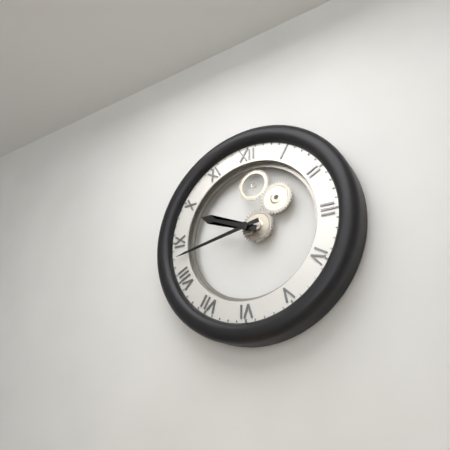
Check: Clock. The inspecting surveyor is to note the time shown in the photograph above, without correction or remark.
9:43
